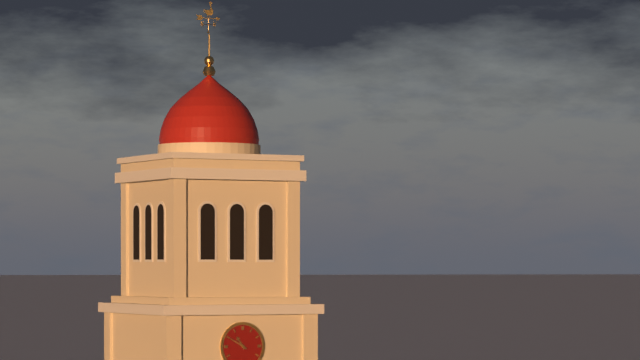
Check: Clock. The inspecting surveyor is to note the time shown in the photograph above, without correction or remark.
10:50
